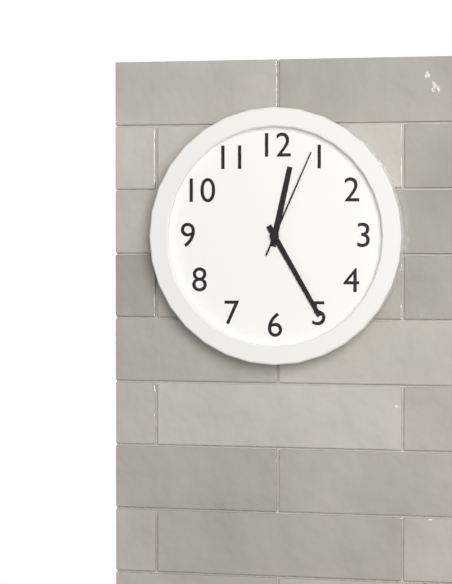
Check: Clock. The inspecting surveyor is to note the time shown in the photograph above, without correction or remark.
12:25:04
